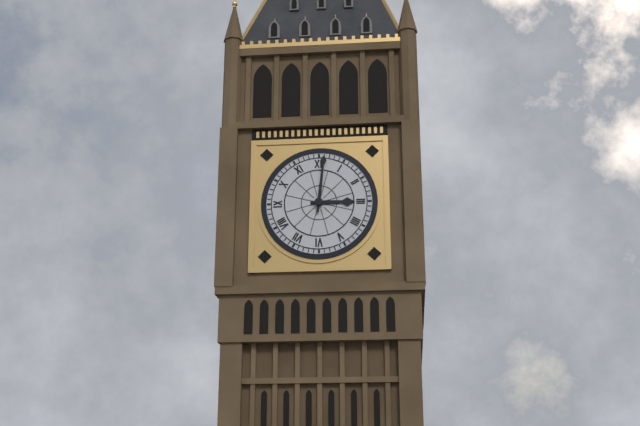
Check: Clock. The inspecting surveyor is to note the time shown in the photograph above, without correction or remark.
3:01
